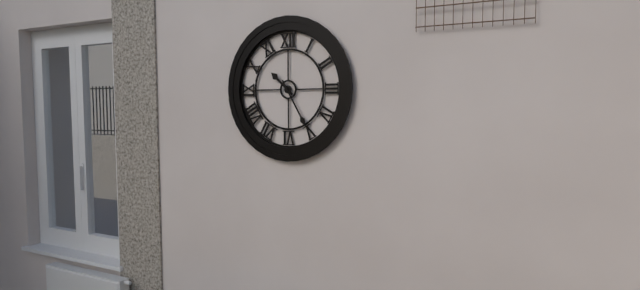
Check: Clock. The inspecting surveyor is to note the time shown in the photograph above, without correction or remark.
10:25
